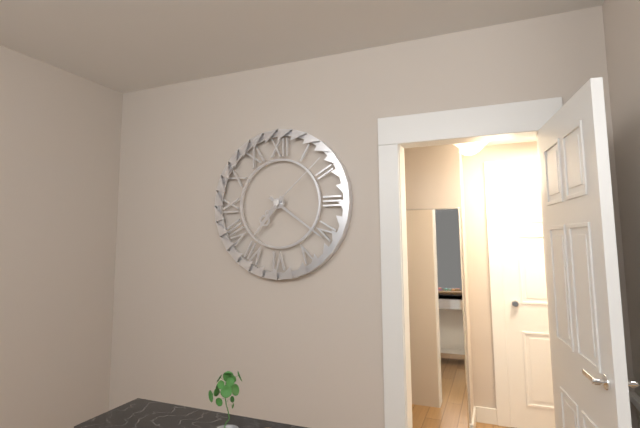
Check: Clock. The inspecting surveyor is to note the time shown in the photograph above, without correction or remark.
7:21:08
